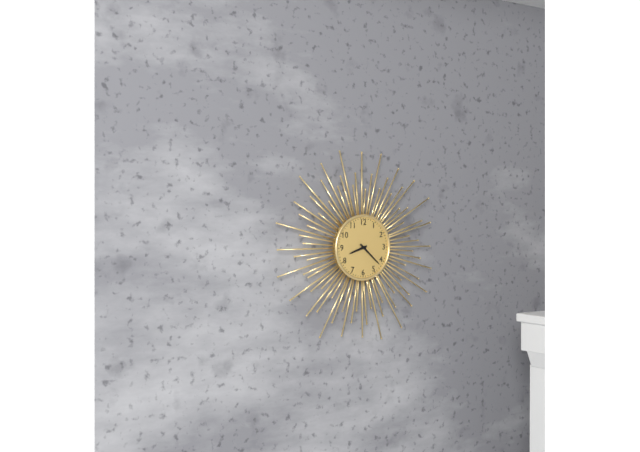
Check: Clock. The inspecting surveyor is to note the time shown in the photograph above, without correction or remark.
8:22
